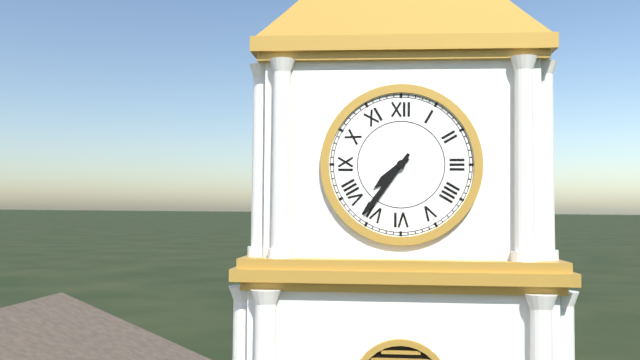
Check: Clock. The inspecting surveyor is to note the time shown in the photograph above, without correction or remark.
7:36
